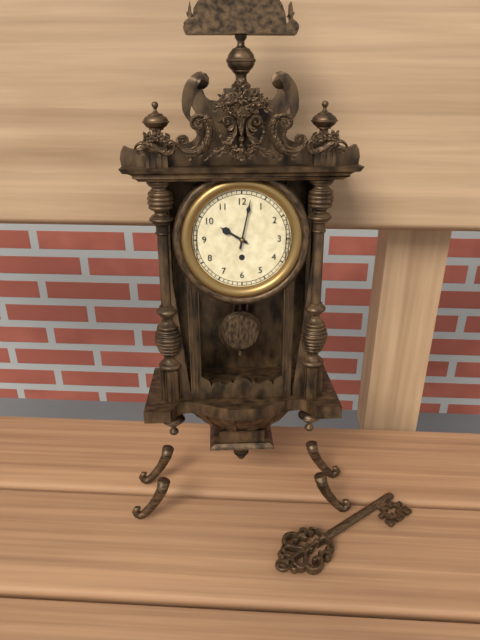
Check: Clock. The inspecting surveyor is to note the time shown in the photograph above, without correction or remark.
10:02
